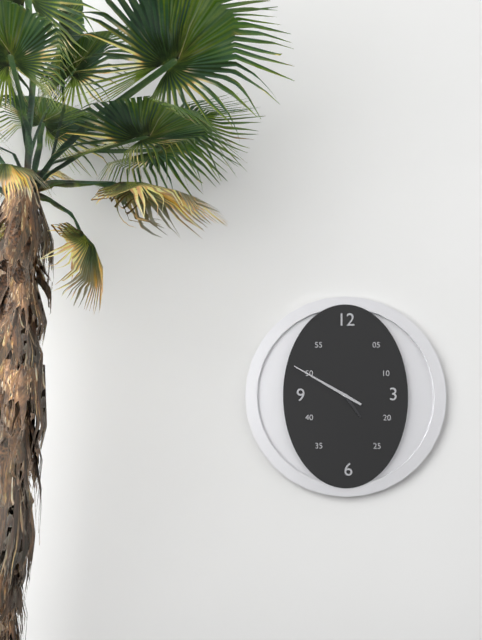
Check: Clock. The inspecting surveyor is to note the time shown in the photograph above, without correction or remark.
4:50
